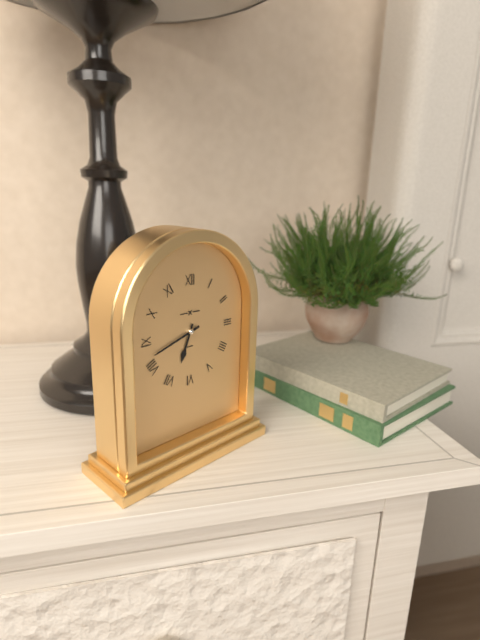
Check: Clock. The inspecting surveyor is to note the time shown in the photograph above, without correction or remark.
6:42
